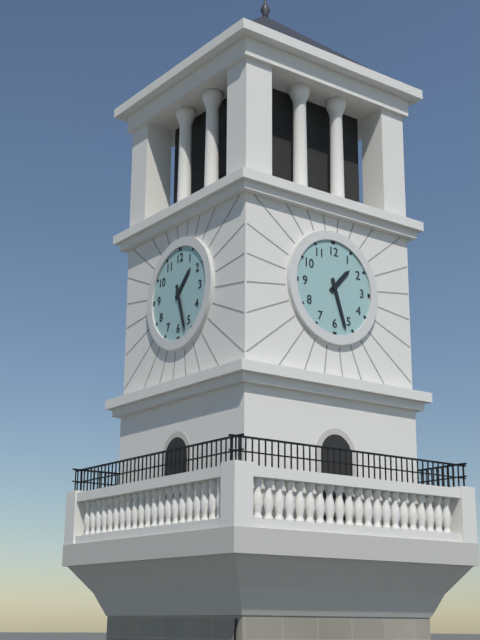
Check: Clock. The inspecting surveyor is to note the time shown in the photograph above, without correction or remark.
1:27
